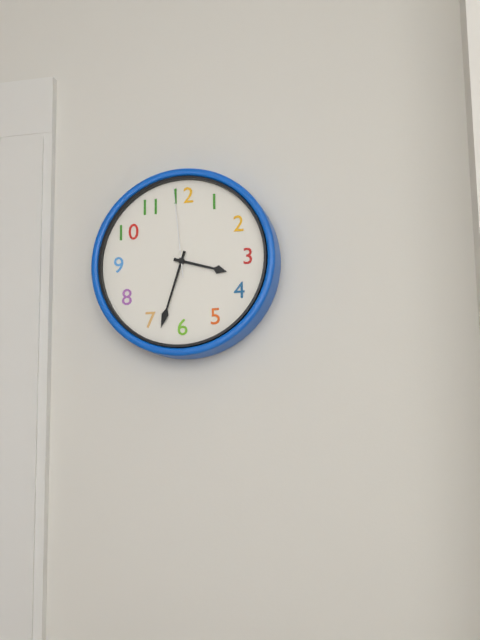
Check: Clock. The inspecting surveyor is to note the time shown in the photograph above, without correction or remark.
3:33:59
